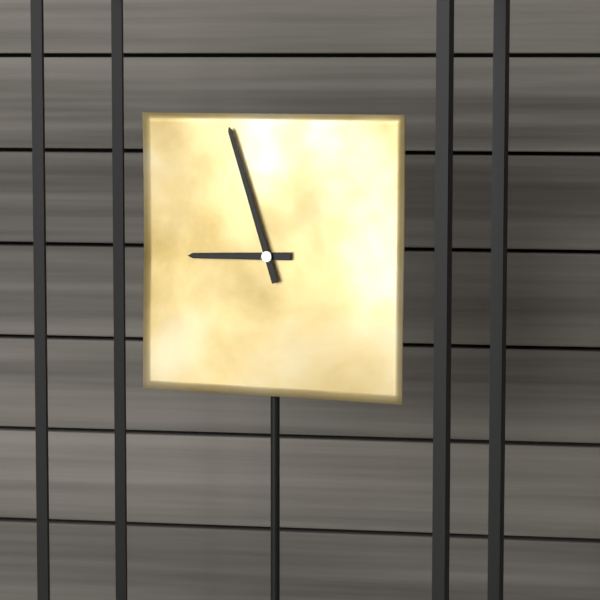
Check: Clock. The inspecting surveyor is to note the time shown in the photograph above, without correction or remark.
8:57
